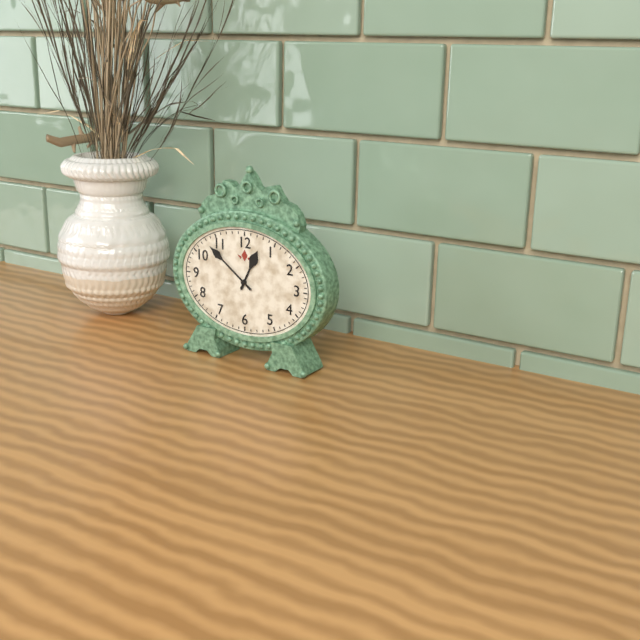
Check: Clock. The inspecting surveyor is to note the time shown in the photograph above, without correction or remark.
12:51
